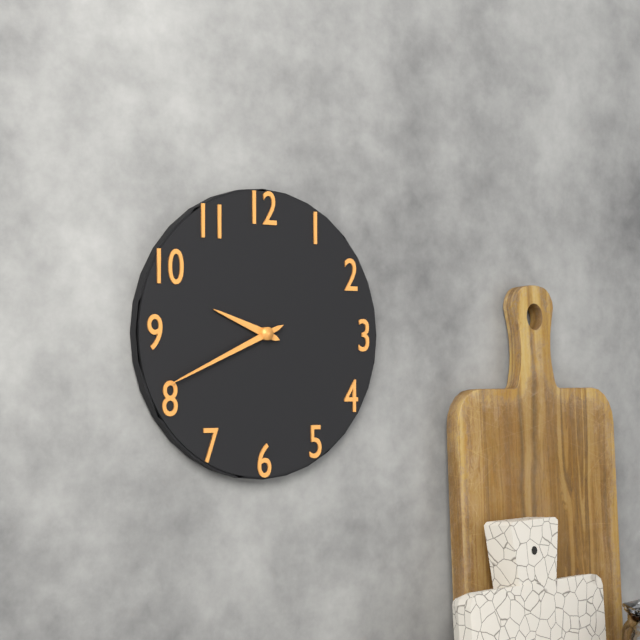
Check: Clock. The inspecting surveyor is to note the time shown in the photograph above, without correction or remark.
9:41
